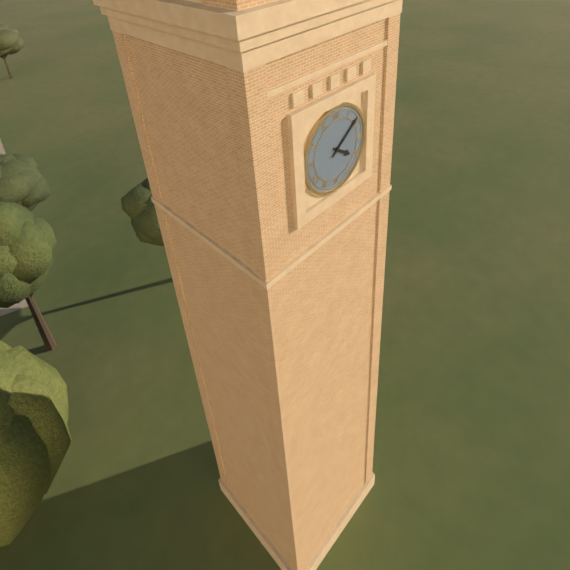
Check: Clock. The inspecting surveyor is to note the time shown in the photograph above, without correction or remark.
4:09
